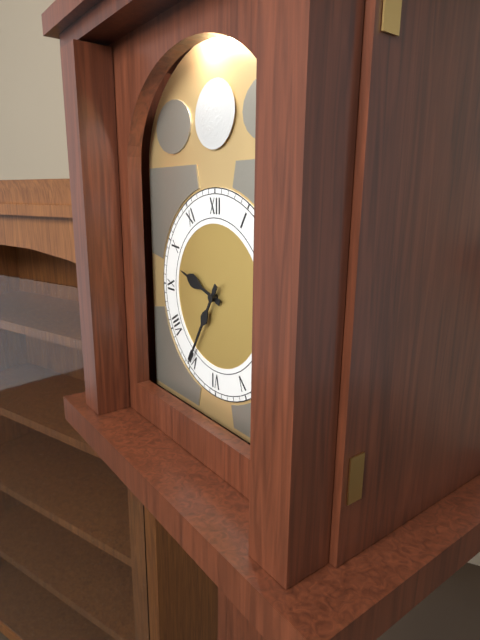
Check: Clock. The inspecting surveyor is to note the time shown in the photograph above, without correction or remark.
9:35
